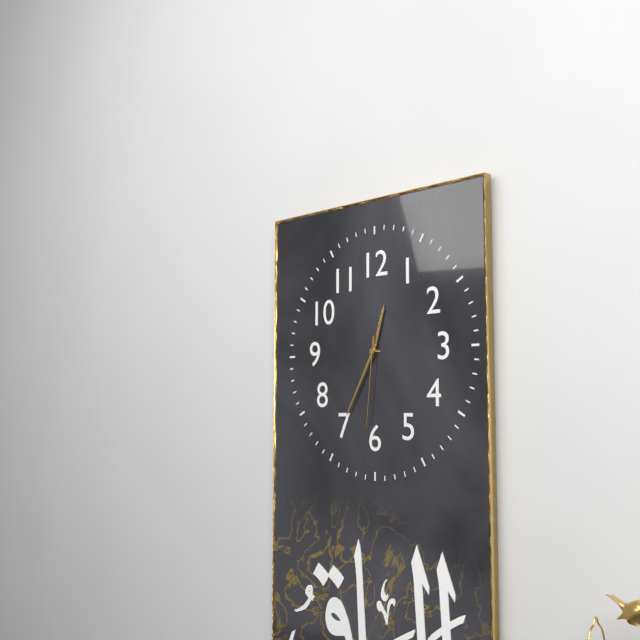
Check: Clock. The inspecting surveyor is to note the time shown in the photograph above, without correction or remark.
12:35:31
